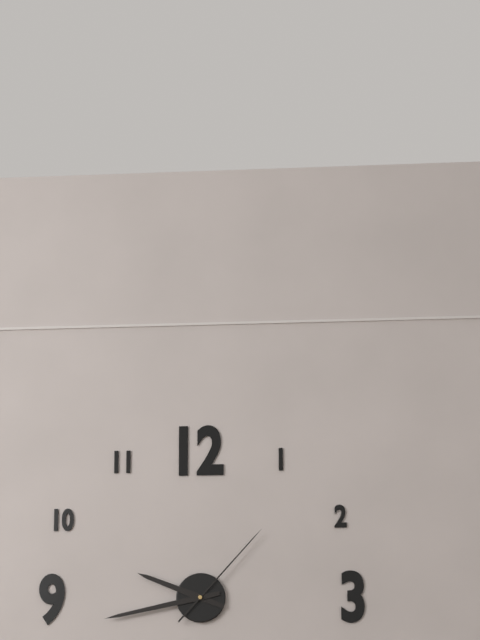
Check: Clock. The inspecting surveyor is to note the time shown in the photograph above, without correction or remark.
9:43:07
